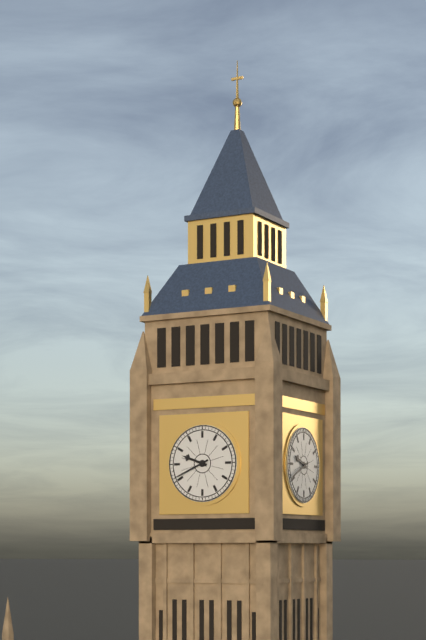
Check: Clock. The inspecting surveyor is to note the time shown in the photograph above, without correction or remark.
9:41
